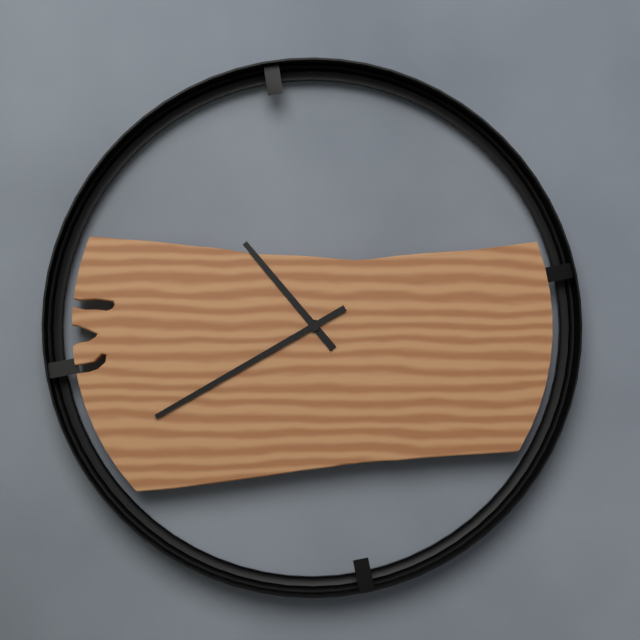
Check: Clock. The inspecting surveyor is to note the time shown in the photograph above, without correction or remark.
10:40
